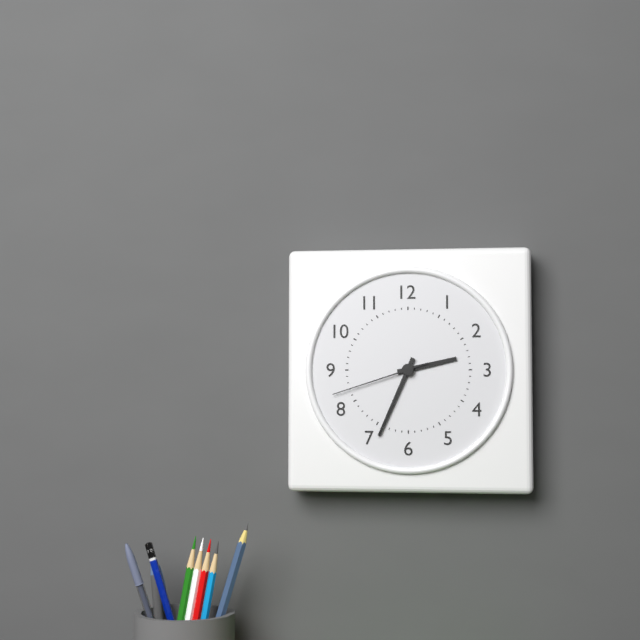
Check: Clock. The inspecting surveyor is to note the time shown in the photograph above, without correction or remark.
2:34:42
